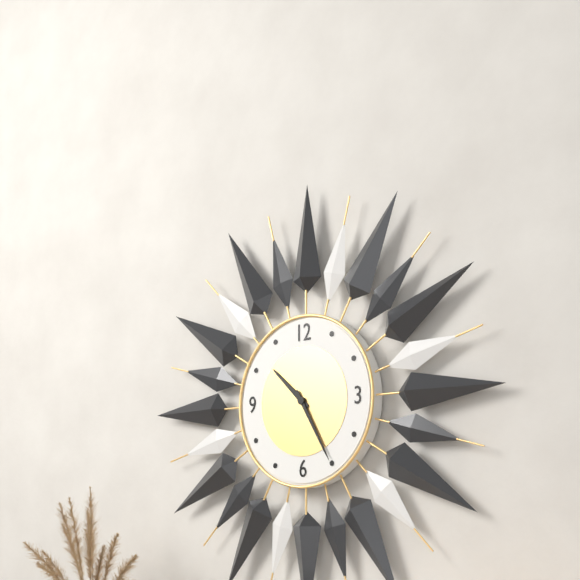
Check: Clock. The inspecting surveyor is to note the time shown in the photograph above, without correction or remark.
10:25
